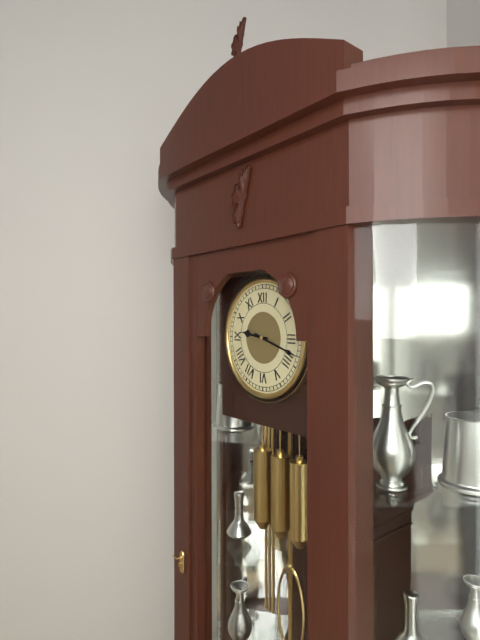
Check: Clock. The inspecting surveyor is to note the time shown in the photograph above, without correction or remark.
9:18
